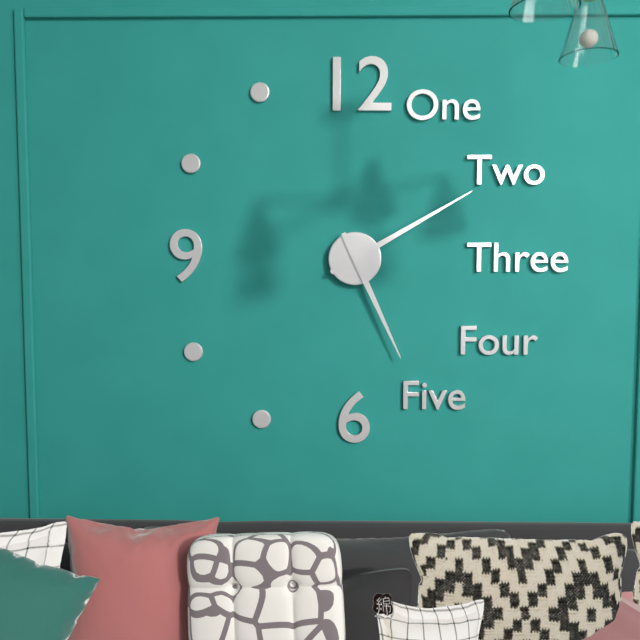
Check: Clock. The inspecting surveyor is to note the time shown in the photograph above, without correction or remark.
5:10
